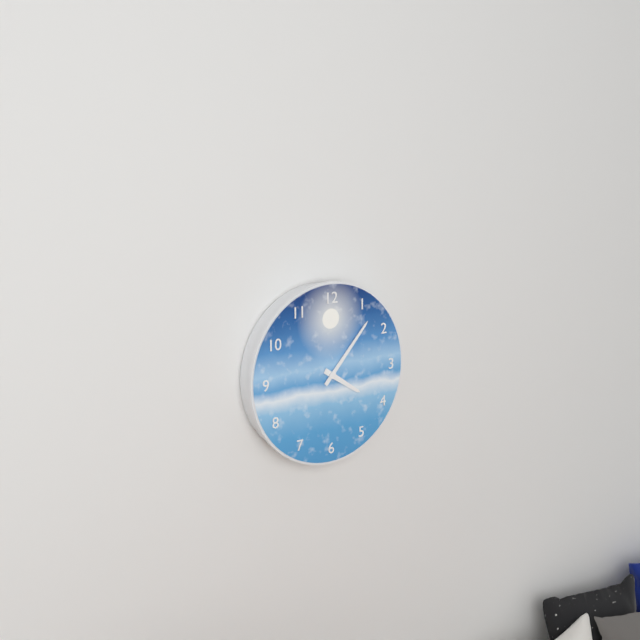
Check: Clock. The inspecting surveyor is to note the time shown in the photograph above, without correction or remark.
4:07
